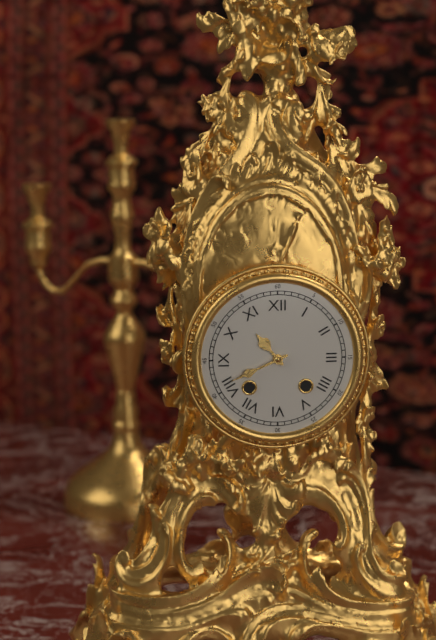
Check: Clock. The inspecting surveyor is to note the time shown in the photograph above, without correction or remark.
10:41
